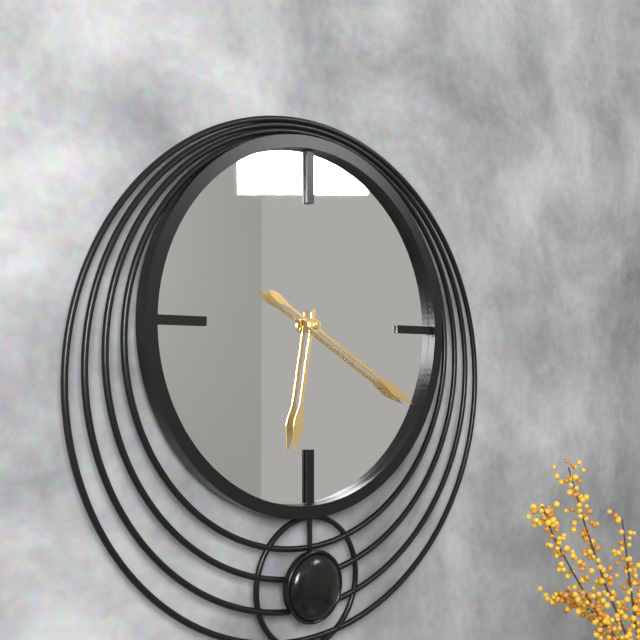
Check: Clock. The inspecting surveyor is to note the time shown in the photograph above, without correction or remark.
6:20
